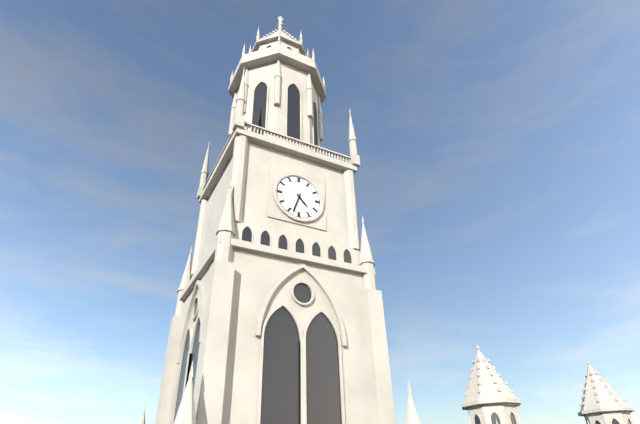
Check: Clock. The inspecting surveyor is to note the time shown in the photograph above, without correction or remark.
4:33
